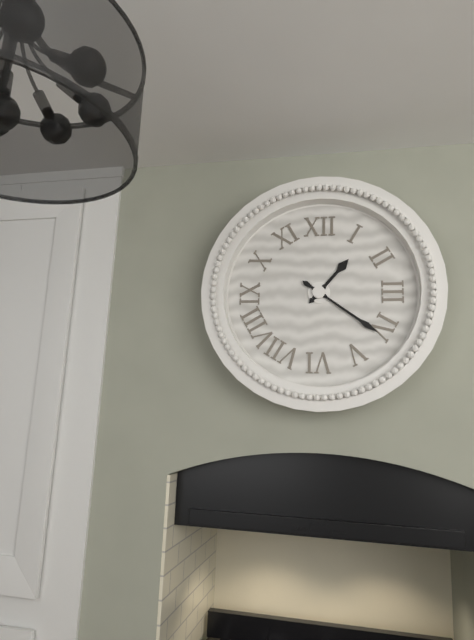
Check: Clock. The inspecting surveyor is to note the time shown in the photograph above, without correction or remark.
1:21
